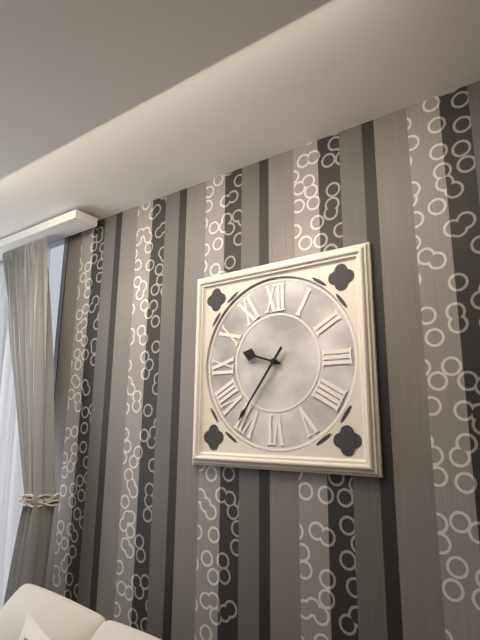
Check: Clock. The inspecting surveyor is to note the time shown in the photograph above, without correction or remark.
9:36
